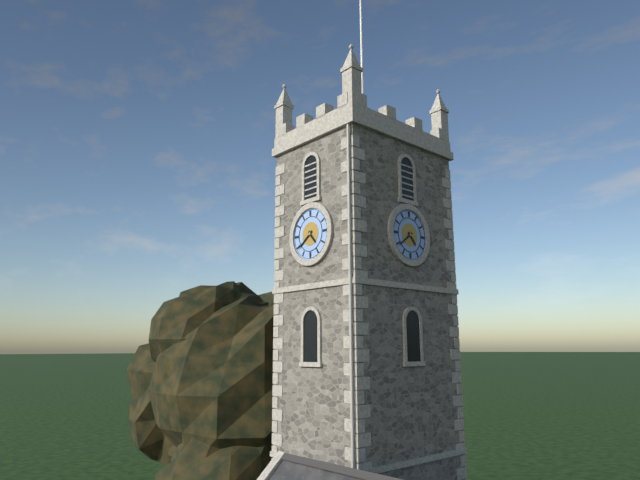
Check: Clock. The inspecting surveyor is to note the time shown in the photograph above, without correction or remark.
4:39
